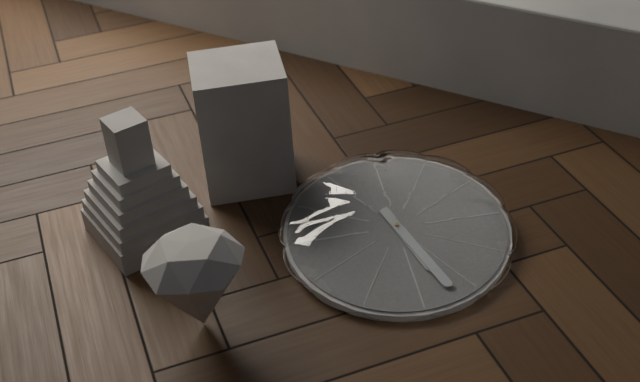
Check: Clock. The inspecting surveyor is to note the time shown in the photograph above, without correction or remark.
5:27
